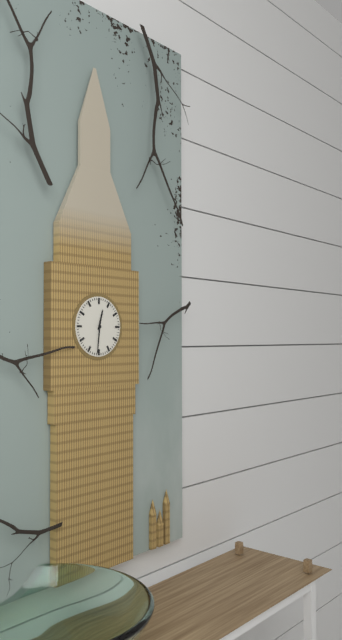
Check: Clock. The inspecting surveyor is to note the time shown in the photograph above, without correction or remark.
12:31
